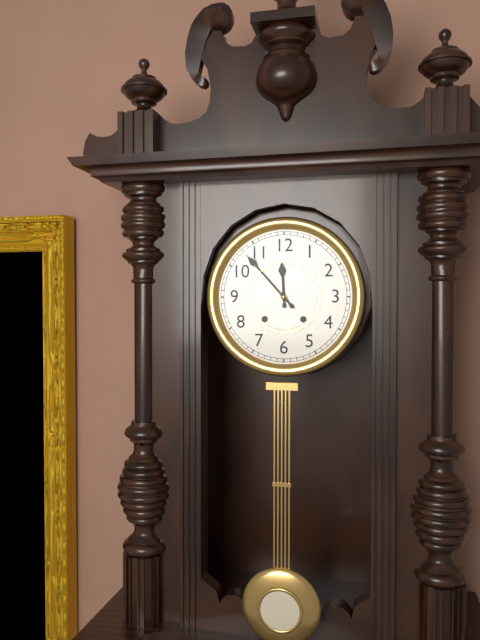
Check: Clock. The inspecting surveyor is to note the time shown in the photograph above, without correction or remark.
11:53
